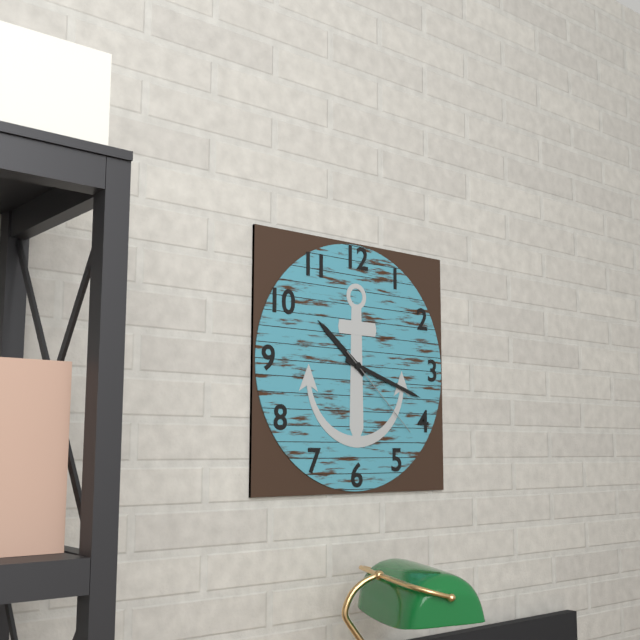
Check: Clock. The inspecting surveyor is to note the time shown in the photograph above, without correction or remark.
10:18:22
